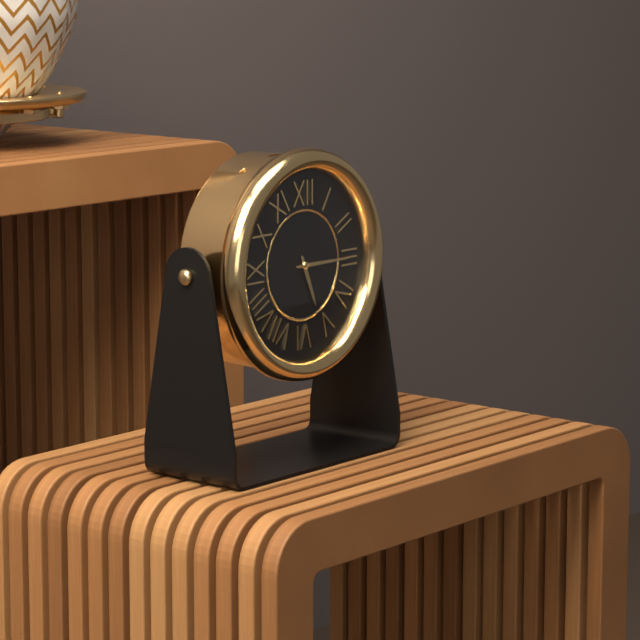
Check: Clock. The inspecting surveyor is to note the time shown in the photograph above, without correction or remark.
5:15
